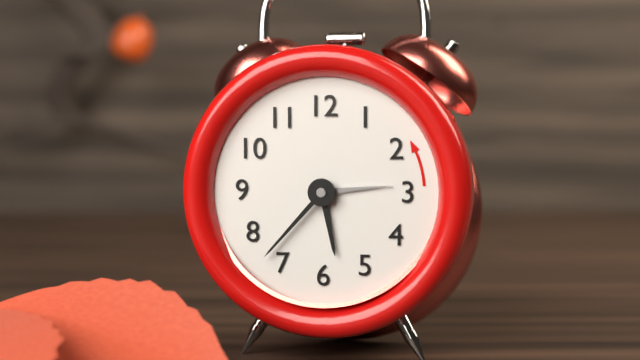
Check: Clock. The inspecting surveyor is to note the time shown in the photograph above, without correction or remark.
5:37:14
